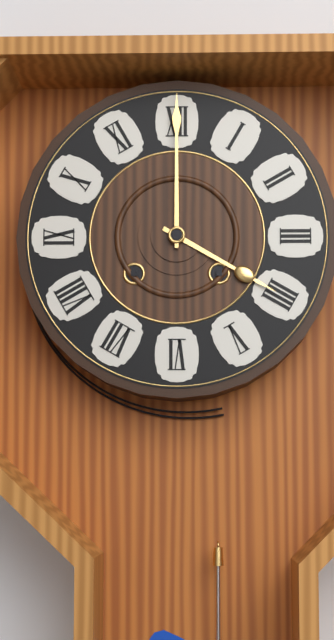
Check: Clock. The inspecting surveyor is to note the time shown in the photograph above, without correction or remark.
4:00
